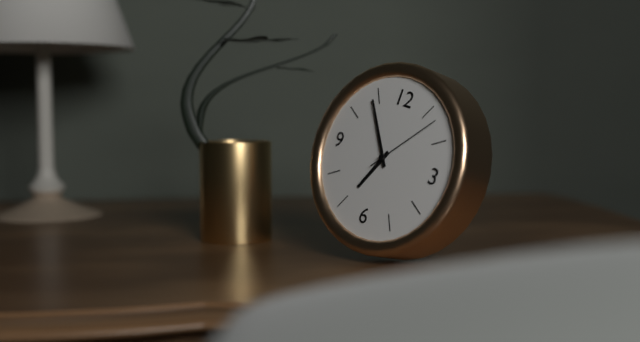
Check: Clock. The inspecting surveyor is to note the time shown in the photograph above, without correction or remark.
6:54:07
